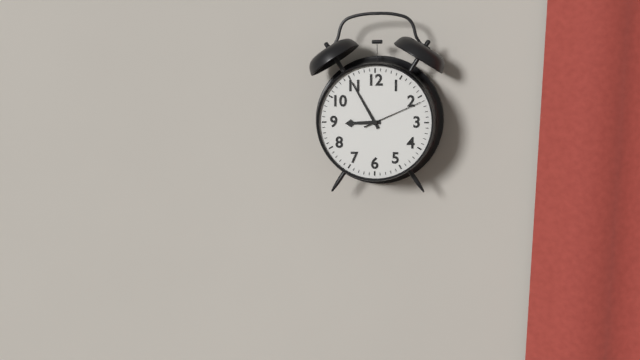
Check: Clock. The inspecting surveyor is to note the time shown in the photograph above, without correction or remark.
8:55:11
